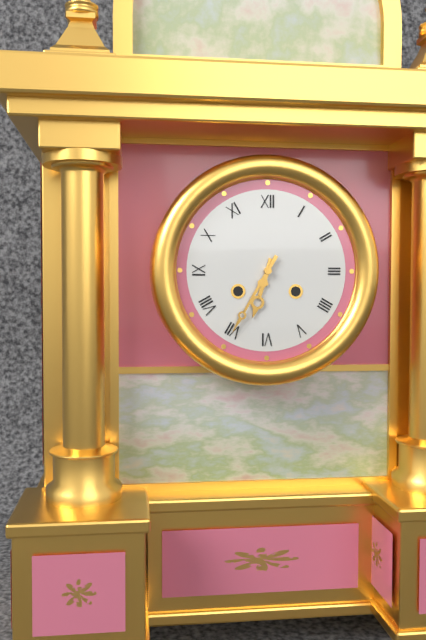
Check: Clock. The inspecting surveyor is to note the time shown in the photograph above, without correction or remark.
6:35
